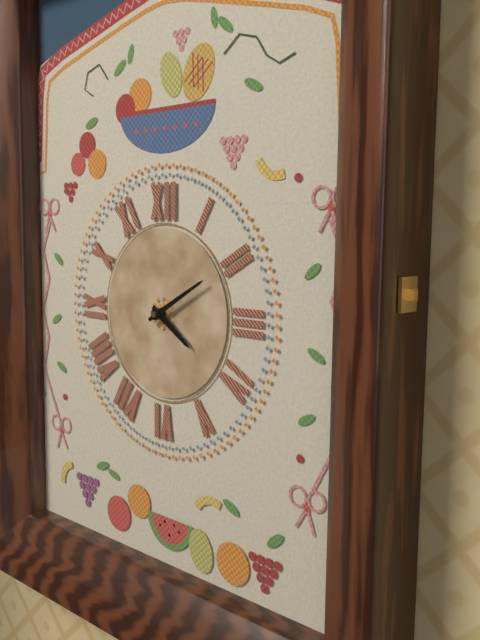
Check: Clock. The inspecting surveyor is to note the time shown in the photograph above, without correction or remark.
4:10
